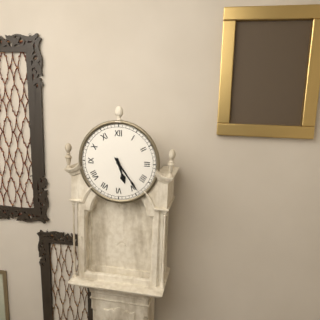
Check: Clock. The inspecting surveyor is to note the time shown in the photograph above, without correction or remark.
5:24
